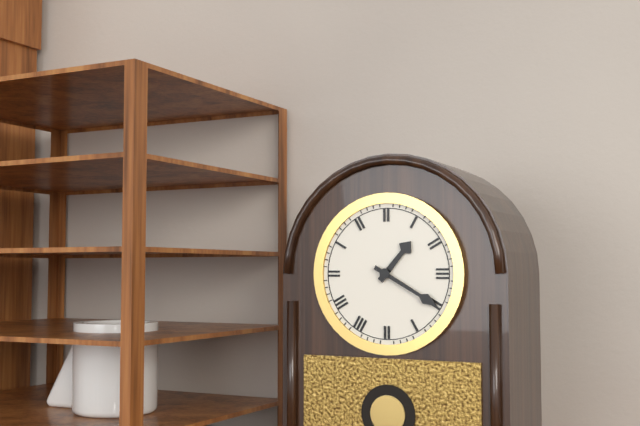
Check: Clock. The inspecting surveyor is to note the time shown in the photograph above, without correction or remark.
1:20
